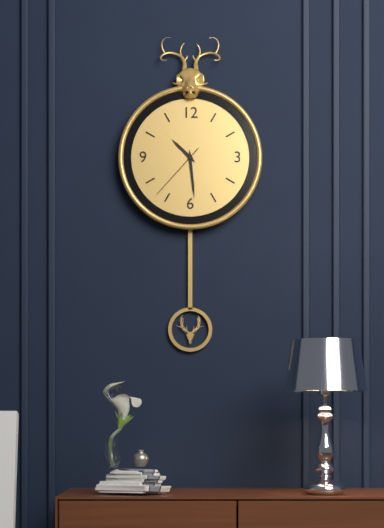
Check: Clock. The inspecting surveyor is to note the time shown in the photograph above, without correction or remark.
10:29:37
